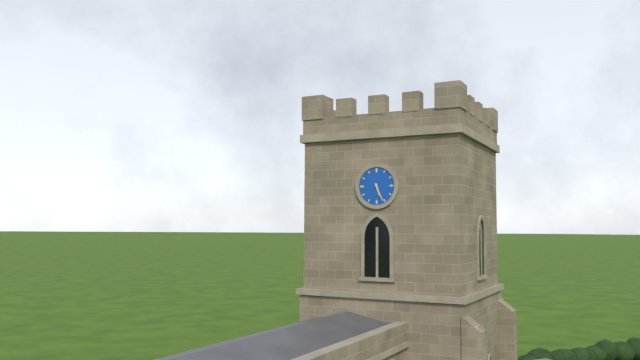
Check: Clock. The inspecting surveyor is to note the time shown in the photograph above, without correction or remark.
5:26
